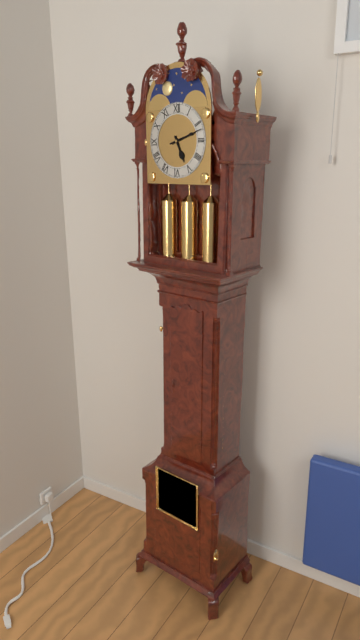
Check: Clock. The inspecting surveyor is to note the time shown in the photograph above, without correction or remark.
5:12
